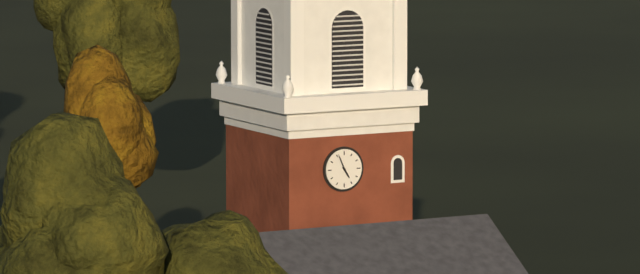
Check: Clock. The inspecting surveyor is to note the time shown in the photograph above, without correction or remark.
4:56
